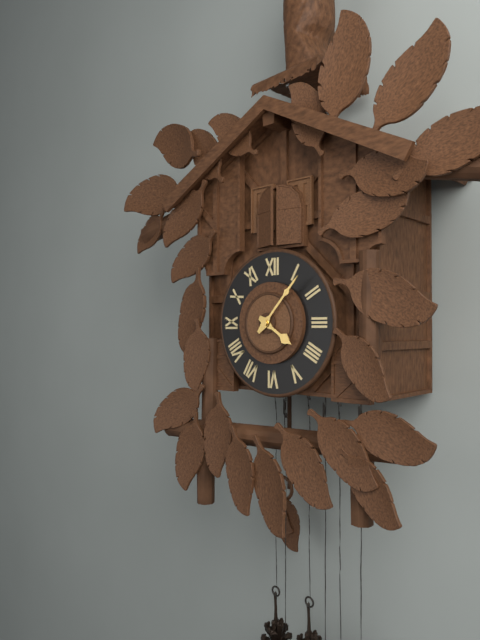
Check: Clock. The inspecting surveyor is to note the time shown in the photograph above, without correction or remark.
4:07
